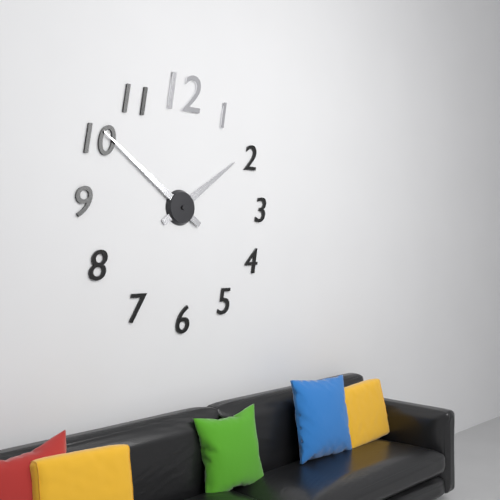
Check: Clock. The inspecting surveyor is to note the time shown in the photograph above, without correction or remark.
1:51
